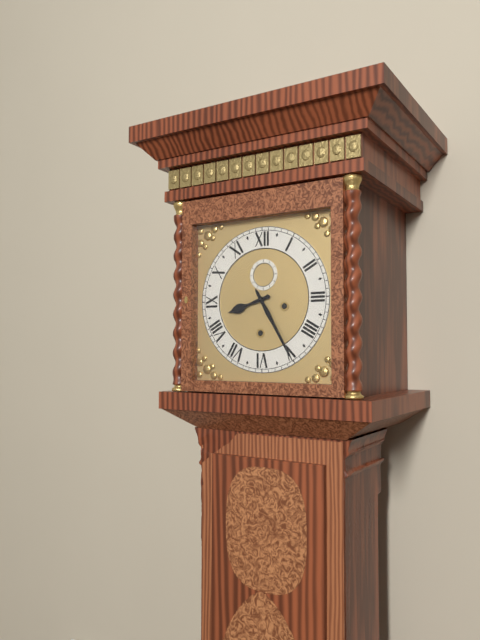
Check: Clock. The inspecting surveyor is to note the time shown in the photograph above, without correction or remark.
8:25
